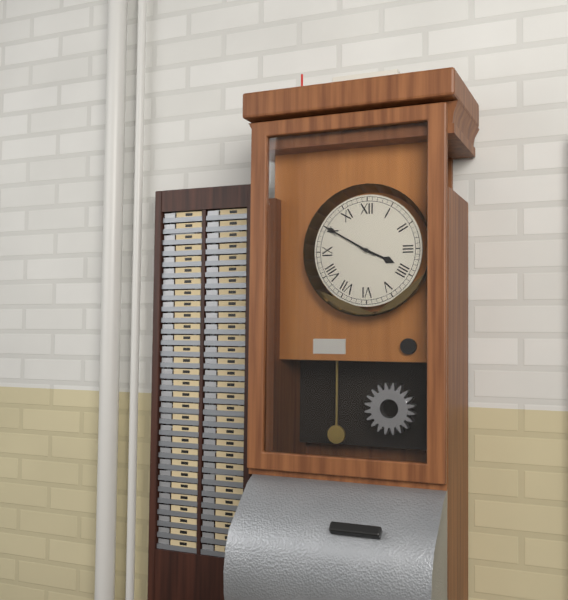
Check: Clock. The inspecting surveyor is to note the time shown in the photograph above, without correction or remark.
3:50
